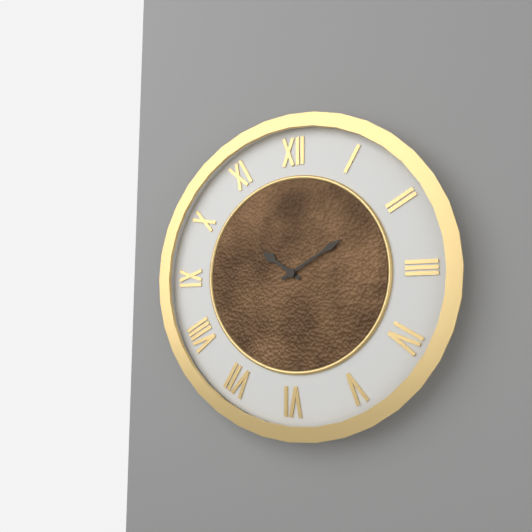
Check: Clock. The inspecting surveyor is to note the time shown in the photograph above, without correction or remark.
10:10
